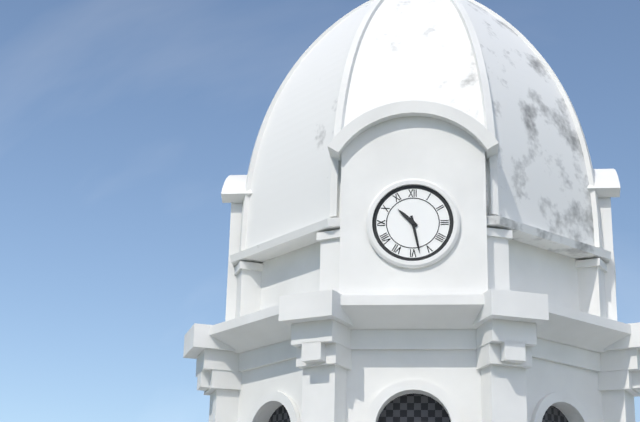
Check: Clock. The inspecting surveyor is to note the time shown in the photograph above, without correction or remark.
10:28
